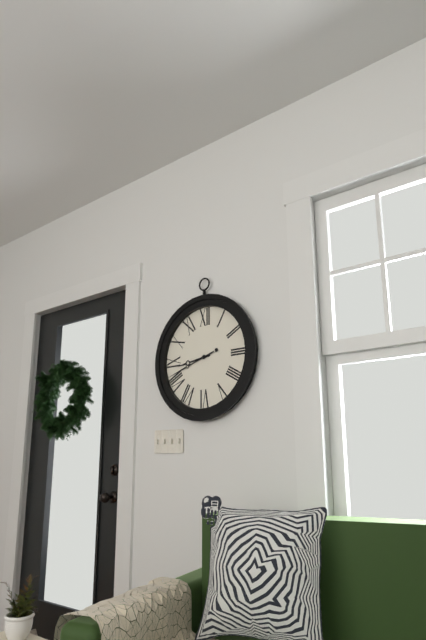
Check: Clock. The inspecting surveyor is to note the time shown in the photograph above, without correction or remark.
8:42
